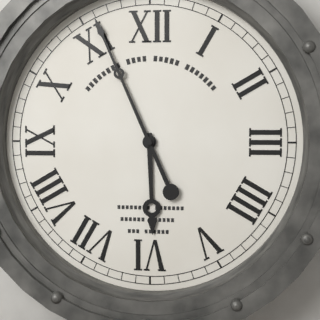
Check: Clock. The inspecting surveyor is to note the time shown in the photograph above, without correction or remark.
5:56
